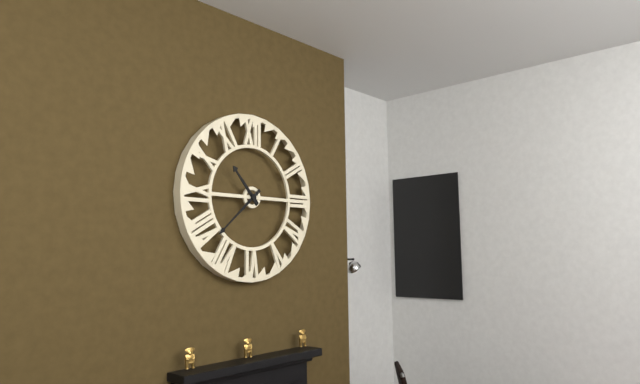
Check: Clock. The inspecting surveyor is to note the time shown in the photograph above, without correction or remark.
10:38
